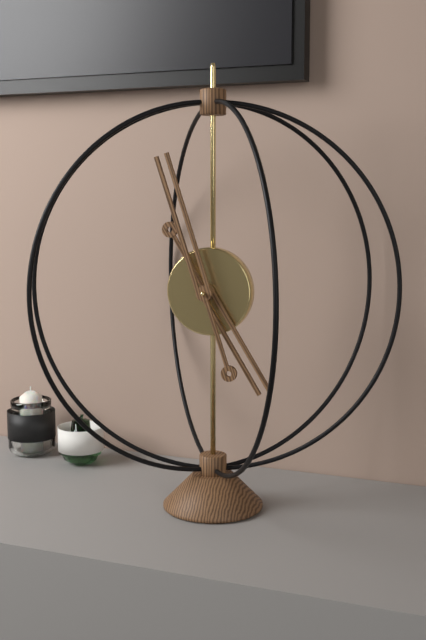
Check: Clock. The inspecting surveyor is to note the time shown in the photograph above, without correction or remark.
4:57
